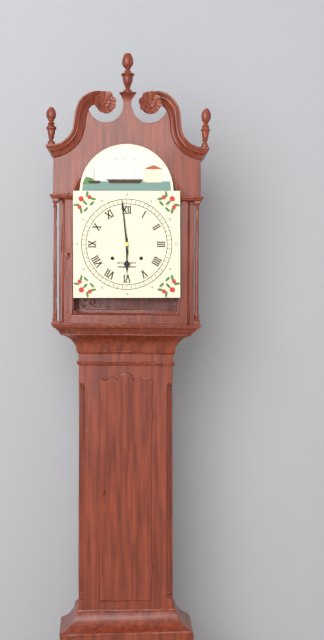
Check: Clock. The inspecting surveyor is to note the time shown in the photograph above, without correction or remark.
5:59
